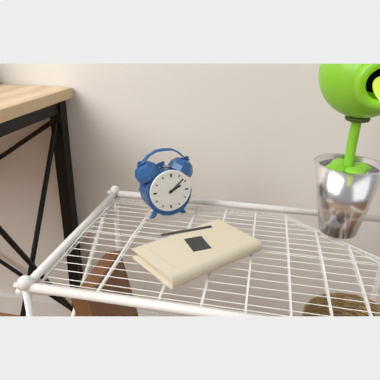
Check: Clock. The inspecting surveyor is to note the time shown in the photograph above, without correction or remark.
2:08
